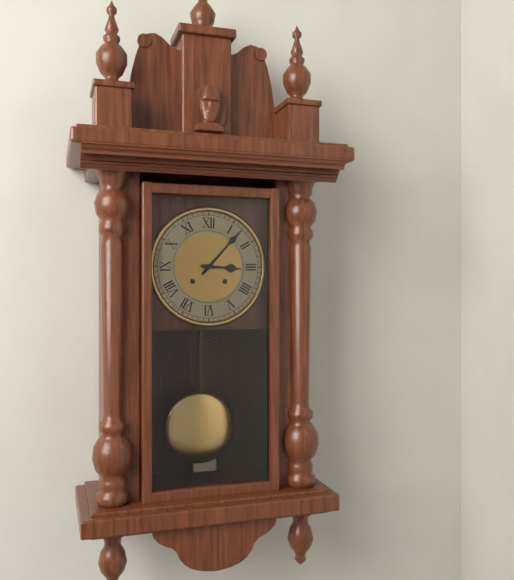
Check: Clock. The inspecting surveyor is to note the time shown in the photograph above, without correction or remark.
3:07
